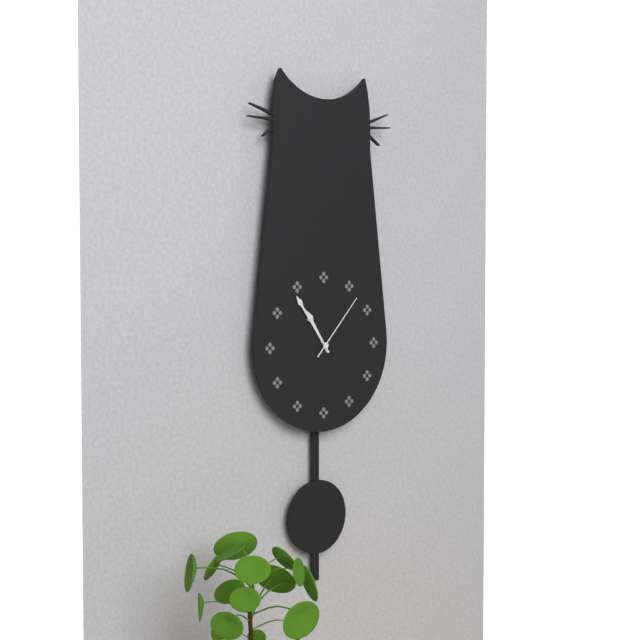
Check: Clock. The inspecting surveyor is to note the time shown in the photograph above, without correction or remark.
10:54:07
